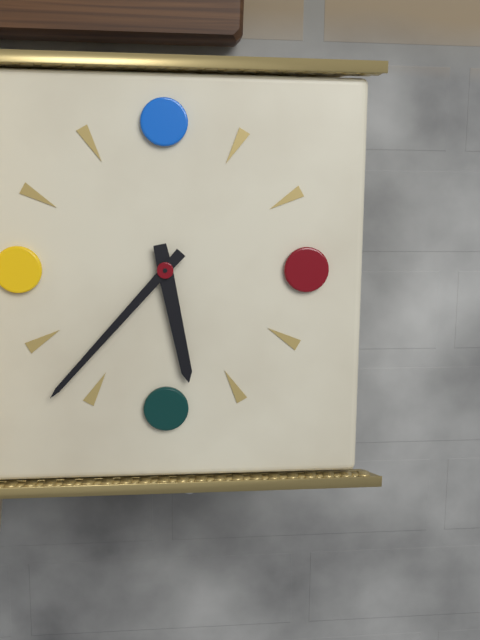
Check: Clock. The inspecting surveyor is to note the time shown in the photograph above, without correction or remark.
5:37
